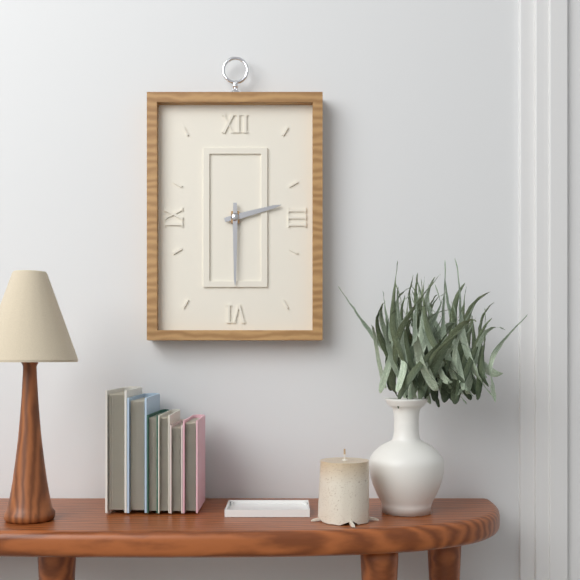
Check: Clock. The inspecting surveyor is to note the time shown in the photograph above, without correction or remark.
2:30
